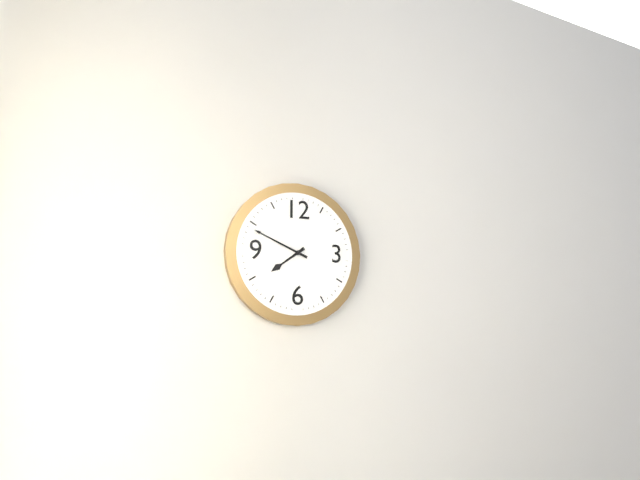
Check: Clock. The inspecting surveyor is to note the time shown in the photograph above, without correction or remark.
7:49
